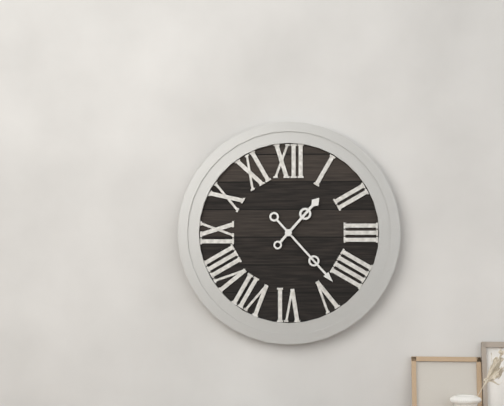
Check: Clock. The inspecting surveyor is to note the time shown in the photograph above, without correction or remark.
1:23
